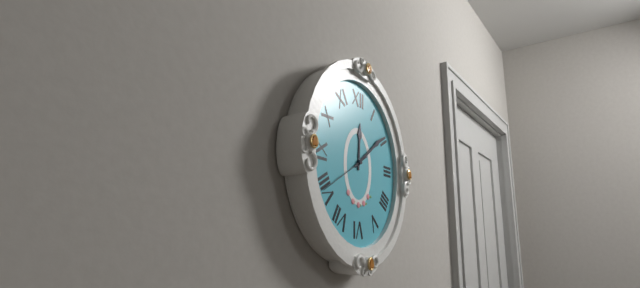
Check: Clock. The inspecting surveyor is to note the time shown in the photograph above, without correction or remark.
12:09:40
